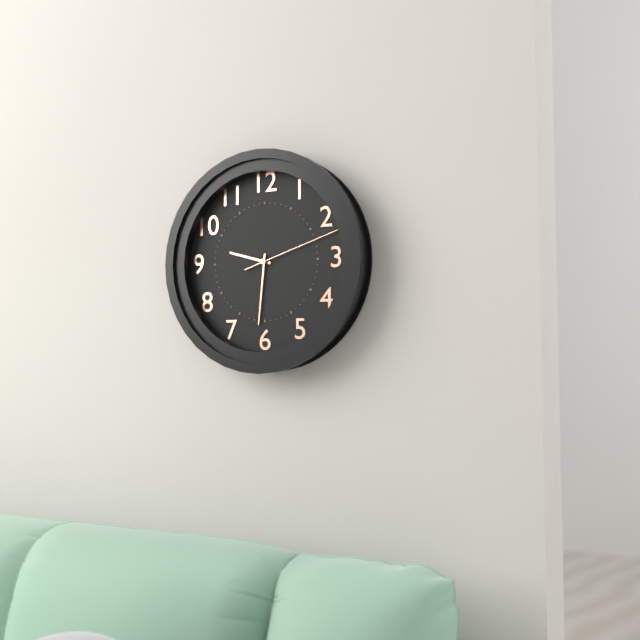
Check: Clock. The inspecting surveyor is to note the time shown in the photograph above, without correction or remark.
9:31:12
